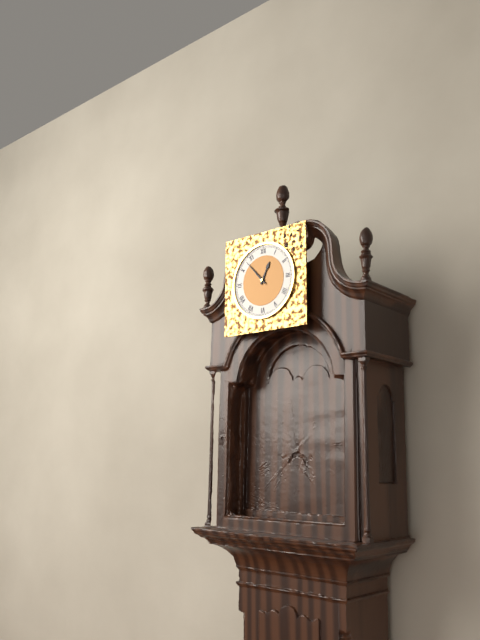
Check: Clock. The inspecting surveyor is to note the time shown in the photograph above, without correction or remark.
12:53
